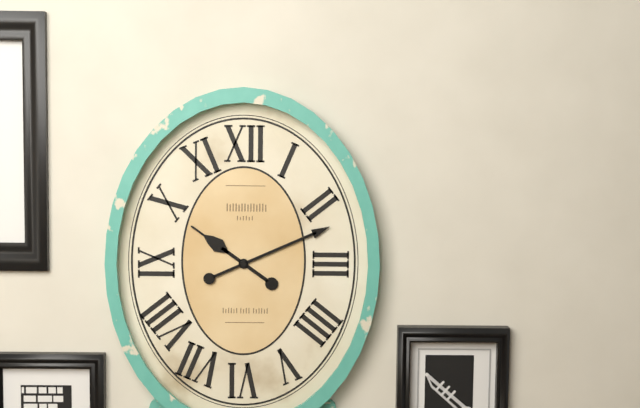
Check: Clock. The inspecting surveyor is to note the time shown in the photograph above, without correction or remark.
10:11
